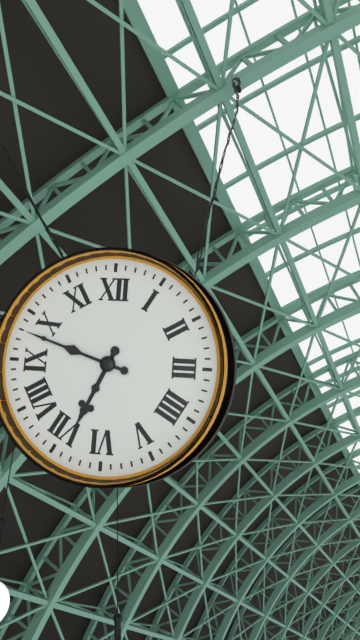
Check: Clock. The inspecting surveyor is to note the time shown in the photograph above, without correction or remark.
6:48
